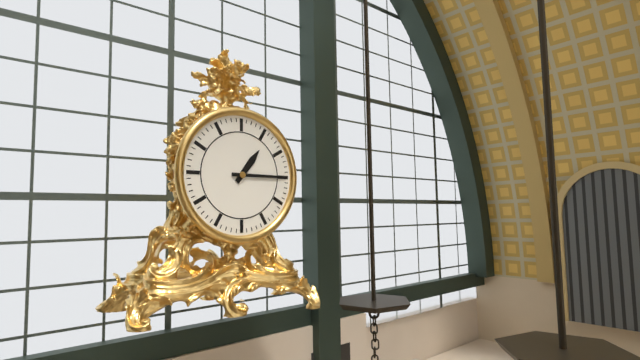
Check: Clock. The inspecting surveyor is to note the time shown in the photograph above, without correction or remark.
1:15
